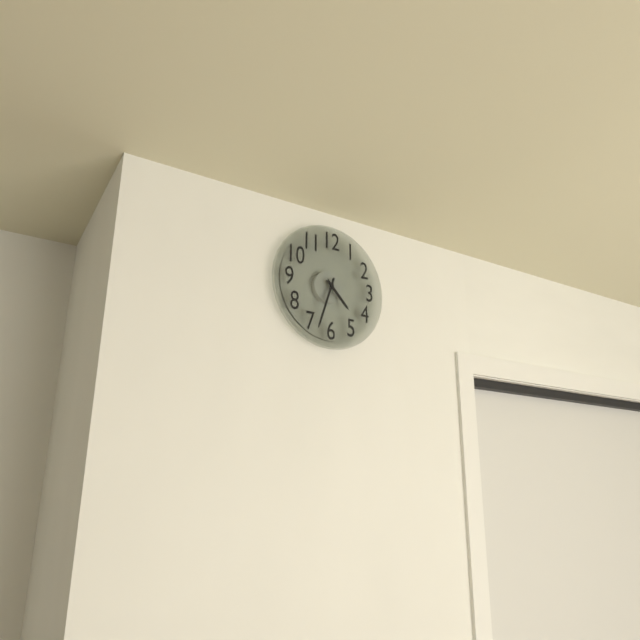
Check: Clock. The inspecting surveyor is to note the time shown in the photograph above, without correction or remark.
4:33
